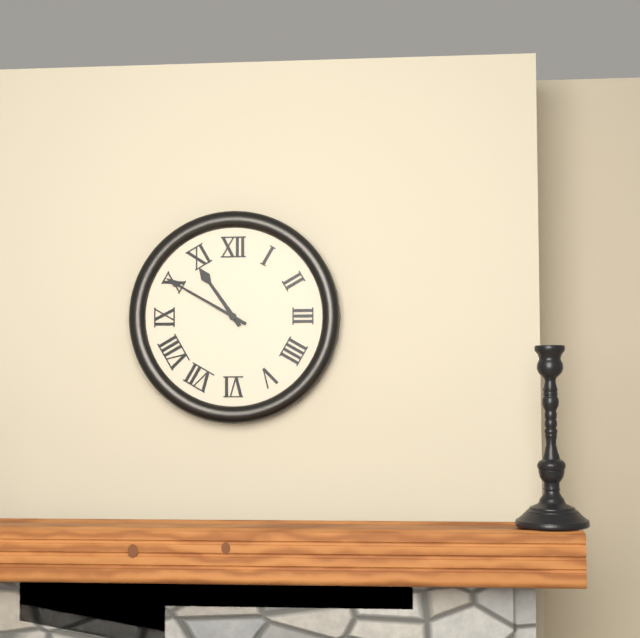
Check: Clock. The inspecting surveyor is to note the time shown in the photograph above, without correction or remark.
10:50
